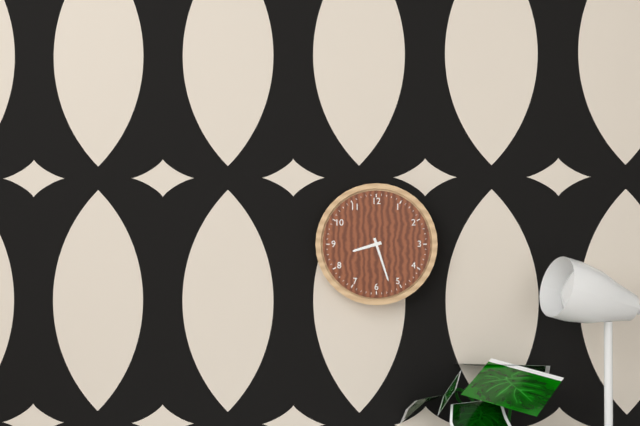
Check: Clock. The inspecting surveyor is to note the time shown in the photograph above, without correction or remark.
8:27
